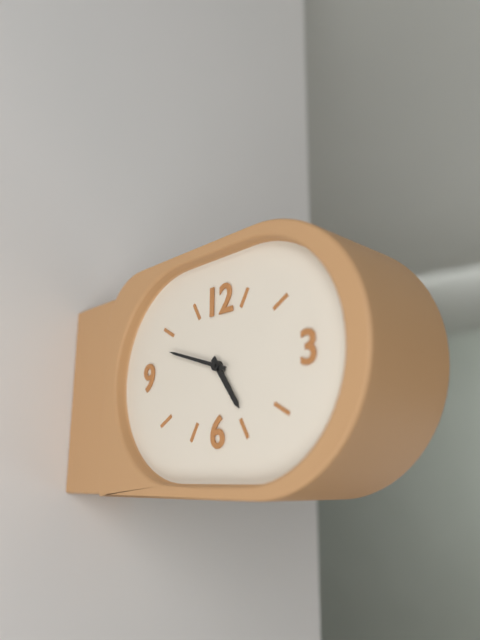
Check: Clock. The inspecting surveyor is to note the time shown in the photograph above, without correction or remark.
4:48
